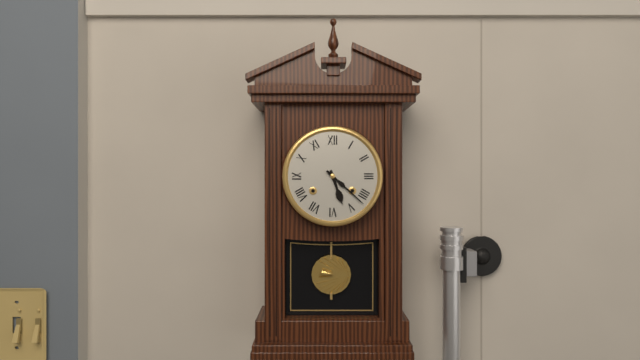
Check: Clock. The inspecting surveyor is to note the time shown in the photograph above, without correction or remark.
5:22
